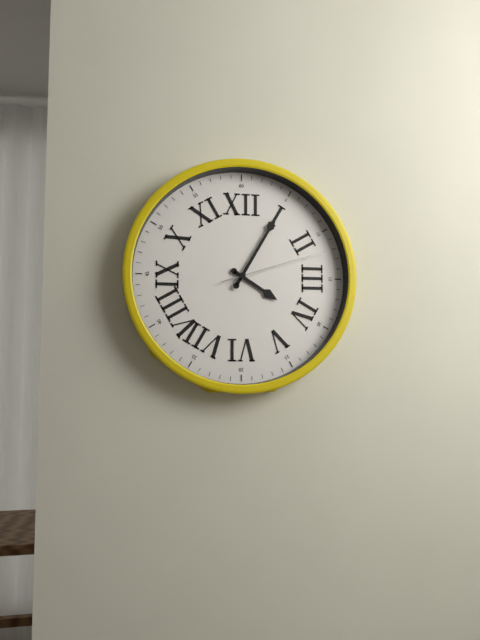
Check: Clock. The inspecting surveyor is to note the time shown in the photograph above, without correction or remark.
4:05:12
